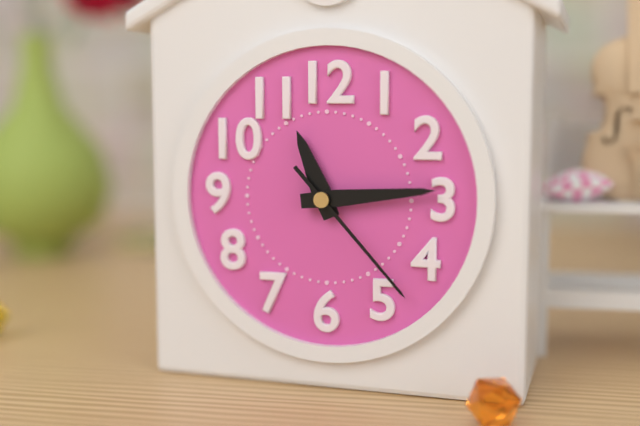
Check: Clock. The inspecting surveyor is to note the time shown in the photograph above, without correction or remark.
11:14:23
